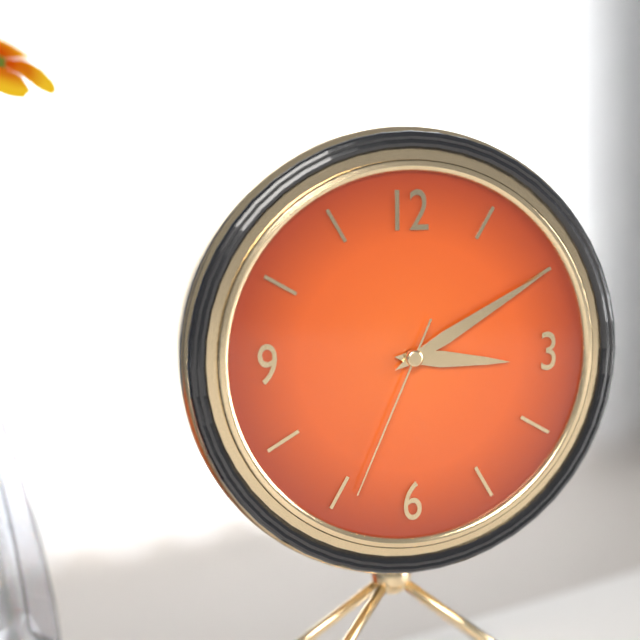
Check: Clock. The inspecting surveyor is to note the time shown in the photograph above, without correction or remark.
3:10:34
